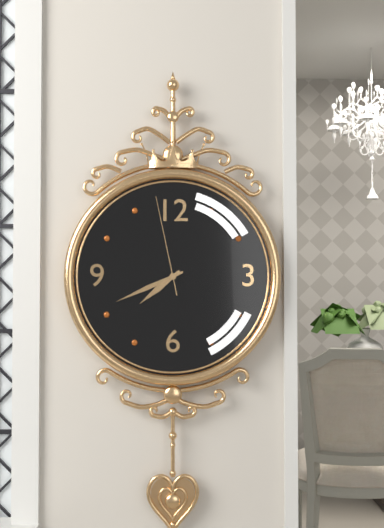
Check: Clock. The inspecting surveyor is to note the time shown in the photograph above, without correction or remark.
7:41:58
